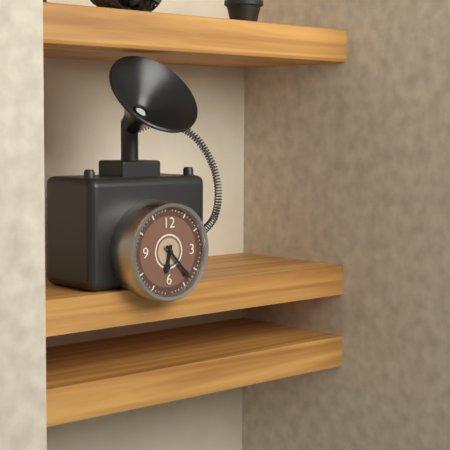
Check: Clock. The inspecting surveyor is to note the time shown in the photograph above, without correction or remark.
6:23
